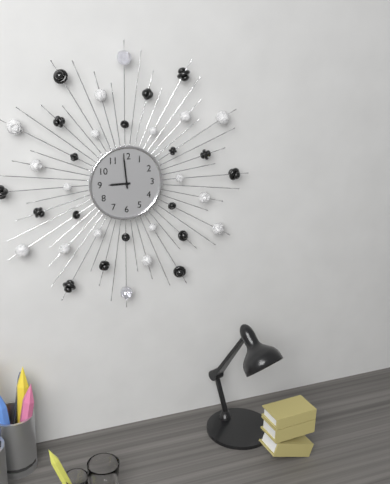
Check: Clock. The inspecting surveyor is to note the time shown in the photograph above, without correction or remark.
8:59
